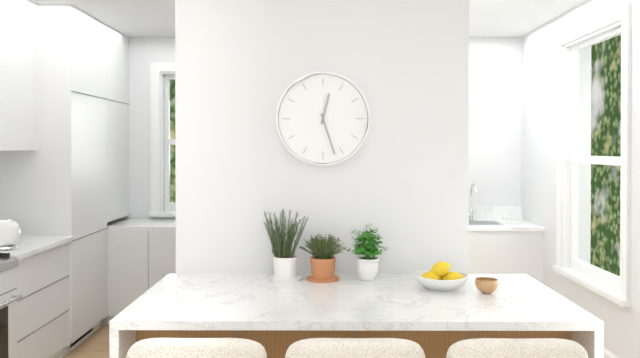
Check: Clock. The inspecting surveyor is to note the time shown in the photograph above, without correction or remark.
12:27
